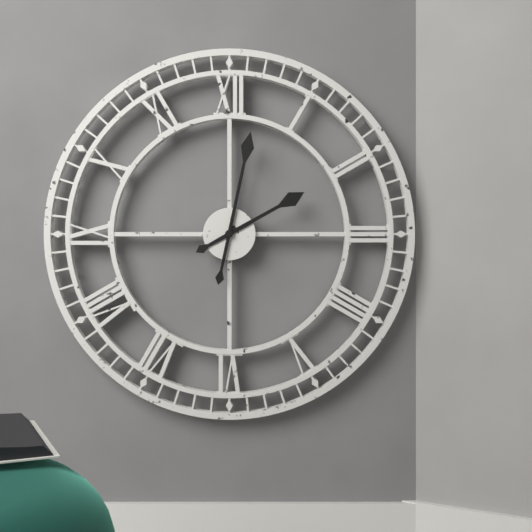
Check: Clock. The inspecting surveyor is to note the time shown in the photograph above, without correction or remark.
2:02
